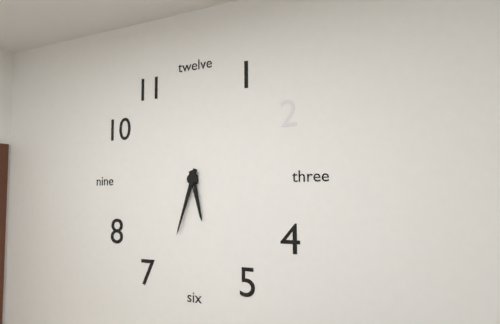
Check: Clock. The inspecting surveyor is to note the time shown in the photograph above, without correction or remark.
5:33
